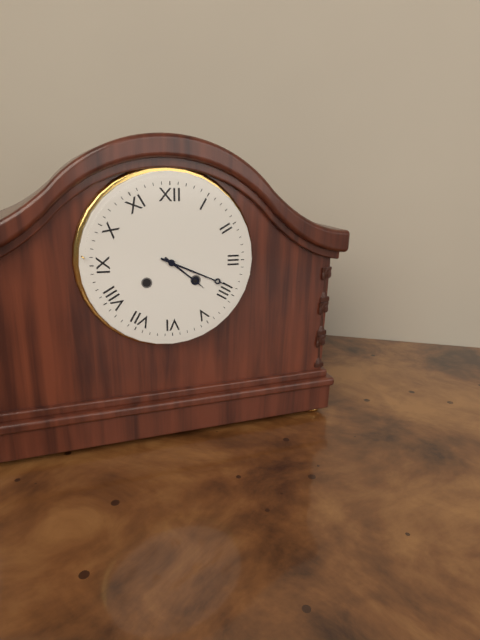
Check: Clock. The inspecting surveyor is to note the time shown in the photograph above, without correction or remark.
4:19
